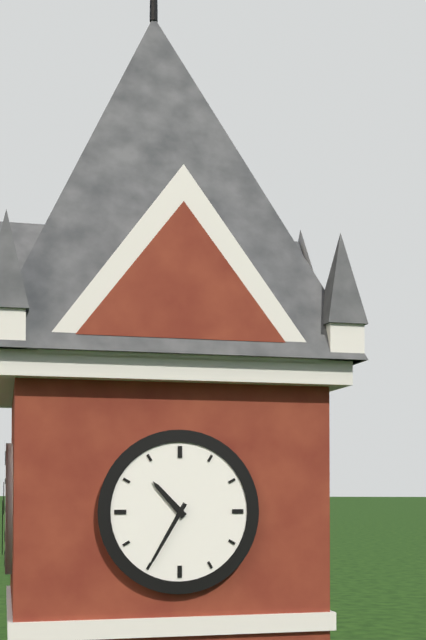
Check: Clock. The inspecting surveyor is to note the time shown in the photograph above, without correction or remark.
10:35
